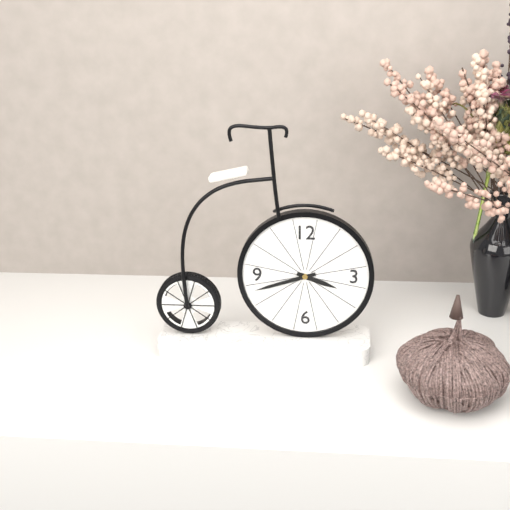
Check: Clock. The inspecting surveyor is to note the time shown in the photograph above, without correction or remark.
3:42
